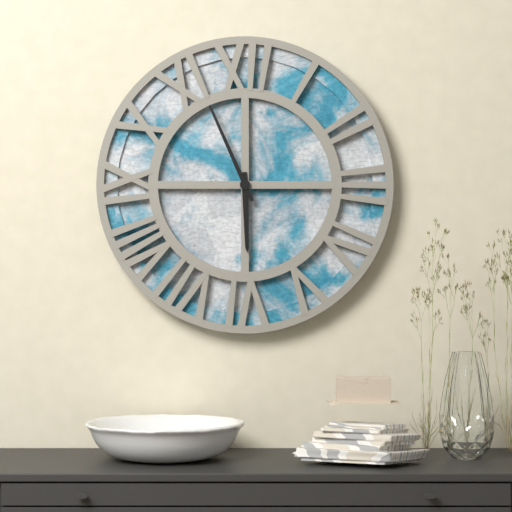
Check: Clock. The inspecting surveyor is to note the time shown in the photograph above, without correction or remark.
5:56
